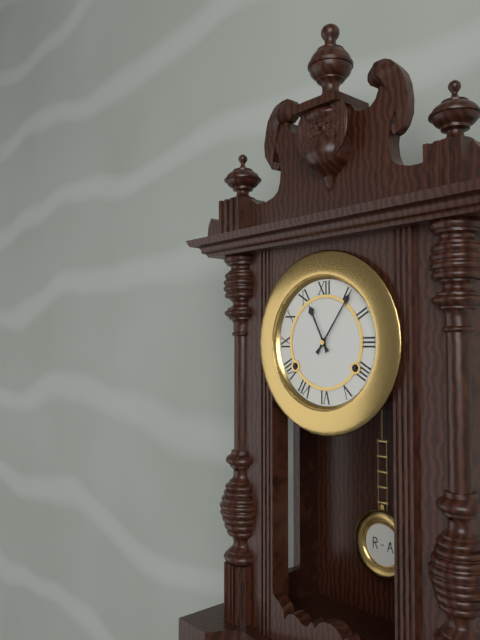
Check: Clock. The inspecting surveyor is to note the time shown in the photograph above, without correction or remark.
11:06
